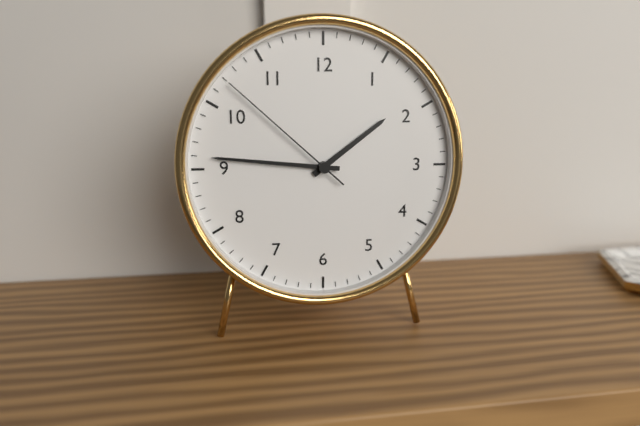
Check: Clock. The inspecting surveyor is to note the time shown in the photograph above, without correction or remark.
1:46:52
